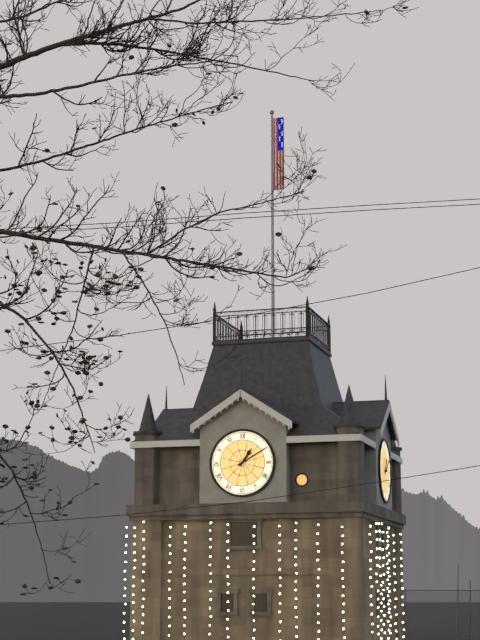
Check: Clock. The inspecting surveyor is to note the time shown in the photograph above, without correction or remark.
1:10
